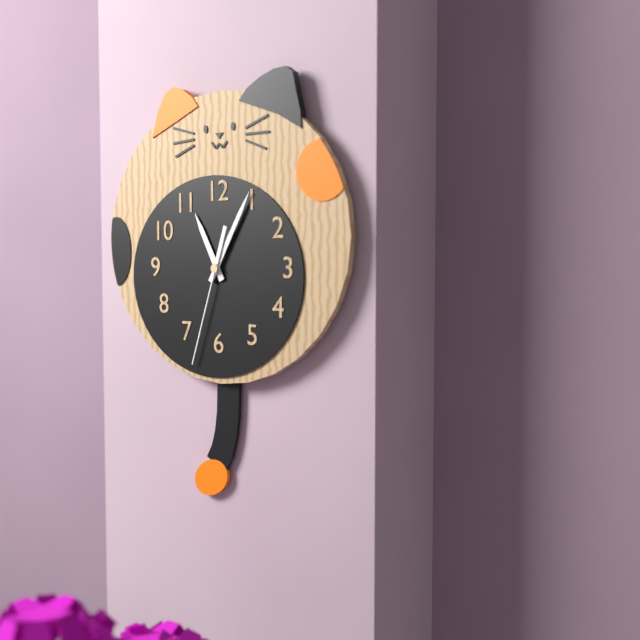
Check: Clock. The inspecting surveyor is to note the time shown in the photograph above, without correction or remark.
11:05:33
